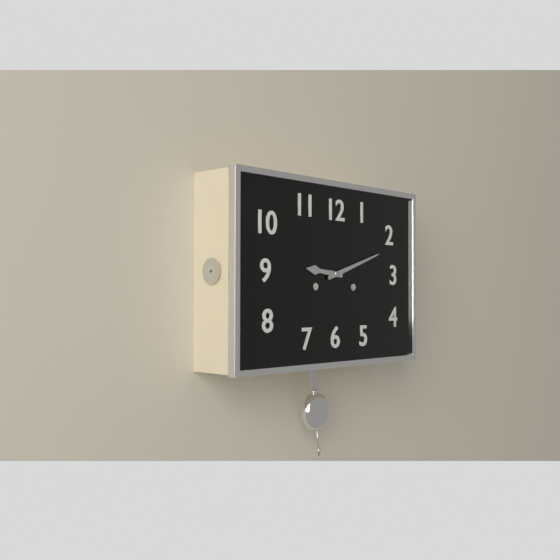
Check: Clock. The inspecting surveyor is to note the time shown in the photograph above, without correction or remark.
9:12
